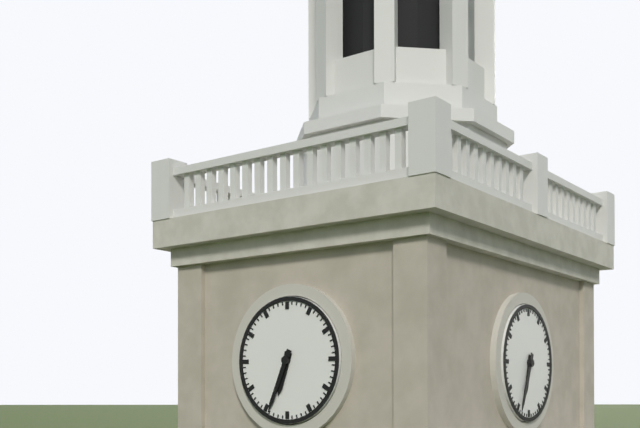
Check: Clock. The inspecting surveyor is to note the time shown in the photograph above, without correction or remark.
6:34
